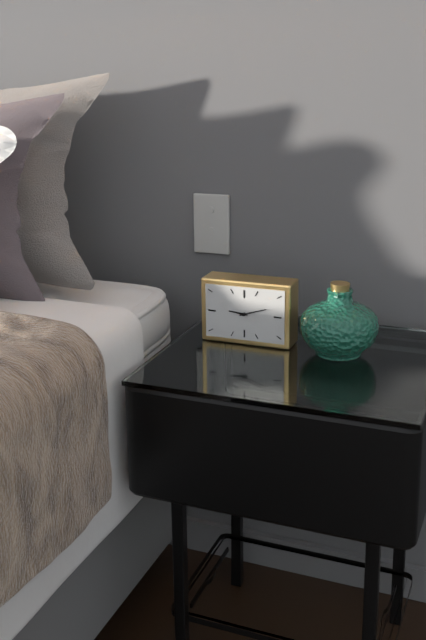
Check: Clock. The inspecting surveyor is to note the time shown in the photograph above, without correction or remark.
9:12
